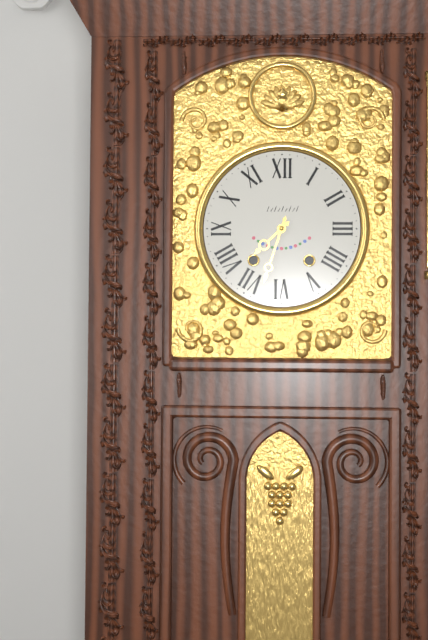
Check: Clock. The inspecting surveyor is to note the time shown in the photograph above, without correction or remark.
7:33
